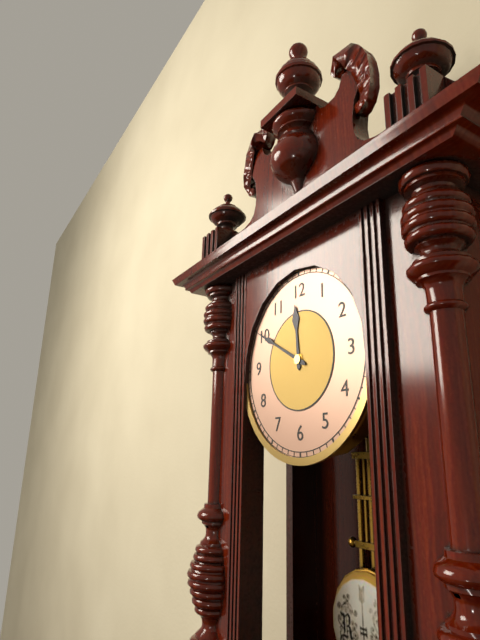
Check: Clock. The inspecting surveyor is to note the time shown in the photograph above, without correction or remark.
11:50
